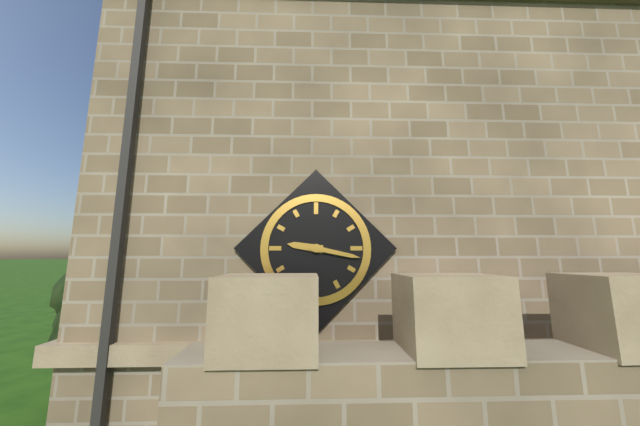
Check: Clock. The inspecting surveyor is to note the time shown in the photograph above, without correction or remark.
9:17
